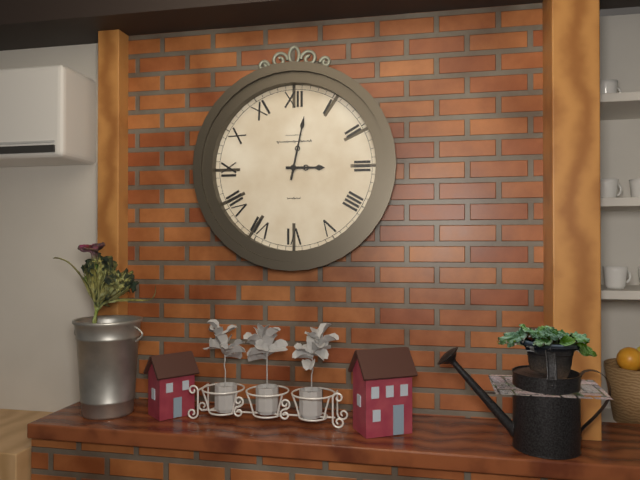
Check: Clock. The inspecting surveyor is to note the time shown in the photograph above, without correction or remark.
3:02
